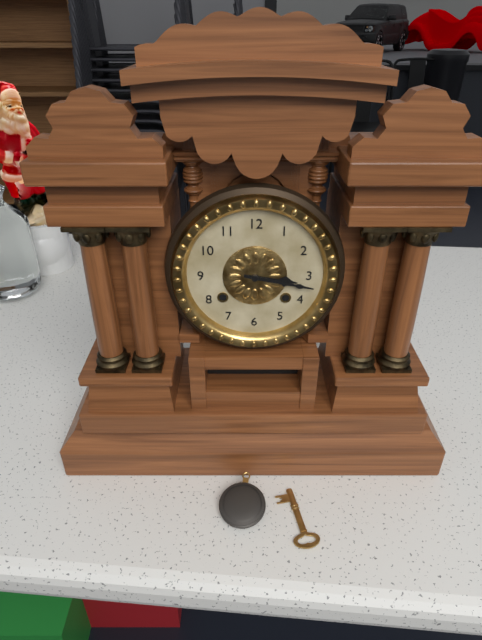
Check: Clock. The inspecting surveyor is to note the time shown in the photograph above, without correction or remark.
3:17
